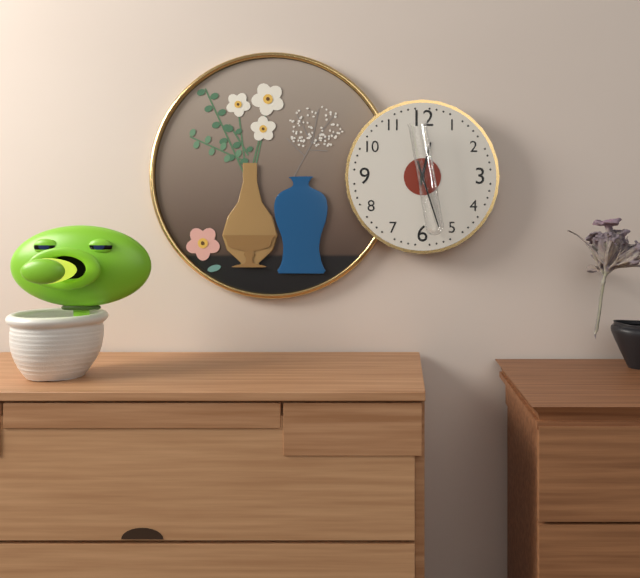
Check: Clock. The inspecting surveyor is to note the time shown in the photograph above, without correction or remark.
12:27
